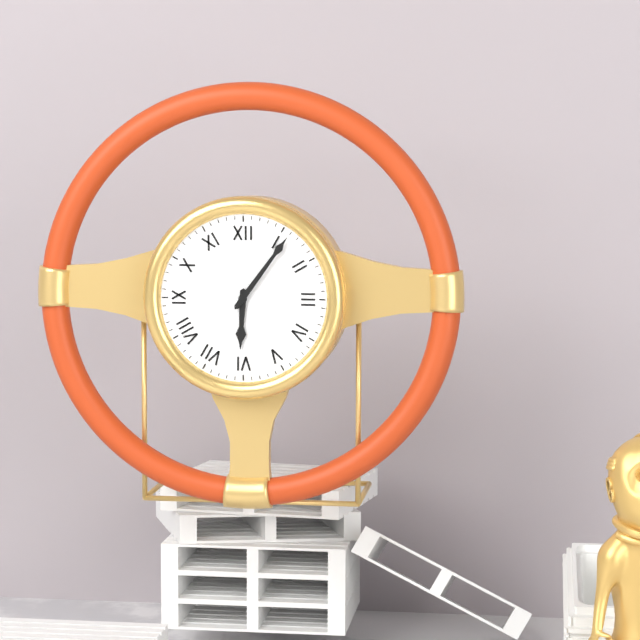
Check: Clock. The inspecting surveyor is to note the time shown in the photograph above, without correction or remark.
6:06
